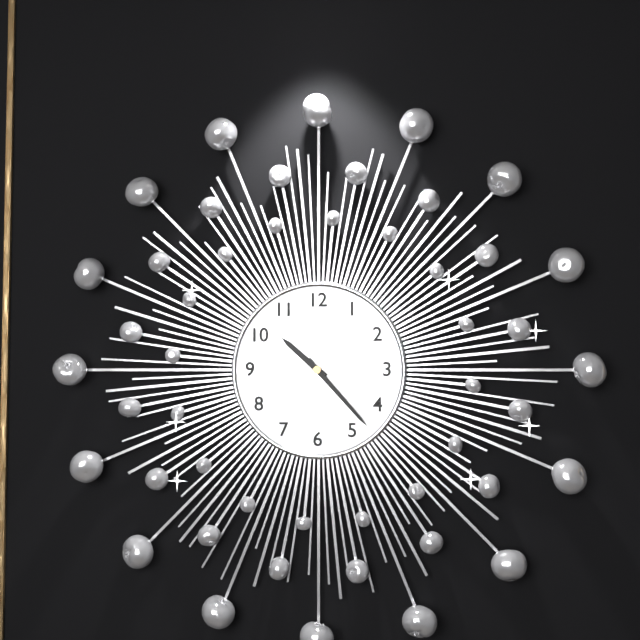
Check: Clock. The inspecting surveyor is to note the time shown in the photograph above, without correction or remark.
10:23
